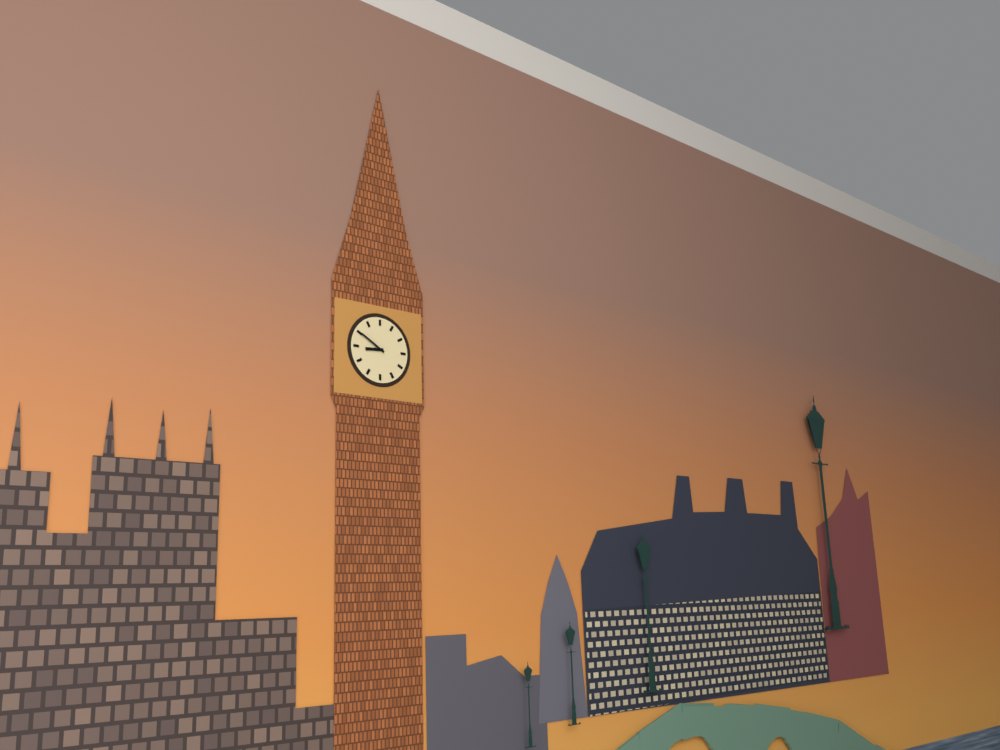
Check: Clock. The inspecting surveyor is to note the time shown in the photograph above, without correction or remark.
8:50
